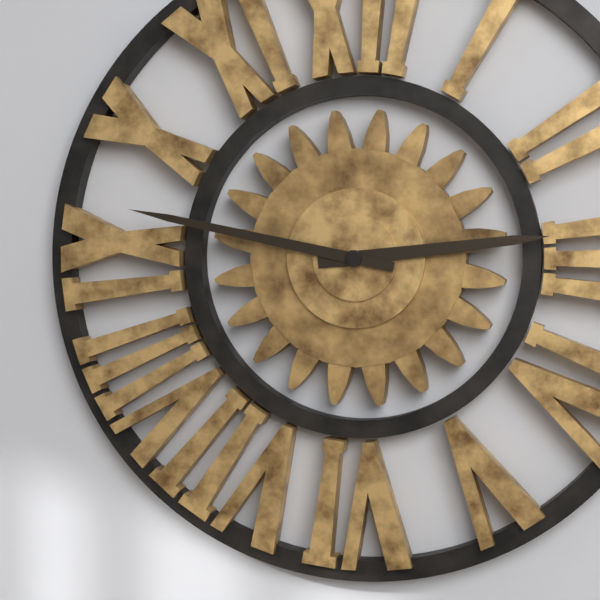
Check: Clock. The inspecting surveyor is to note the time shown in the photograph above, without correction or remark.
2:47
